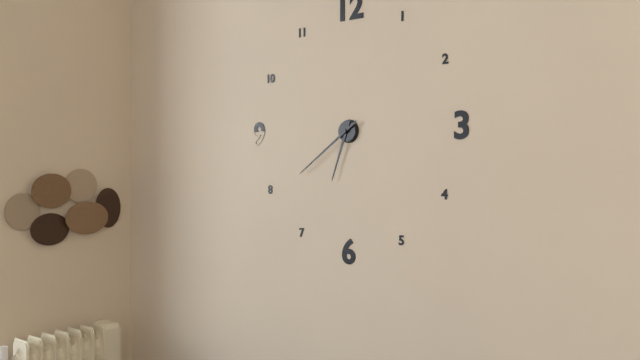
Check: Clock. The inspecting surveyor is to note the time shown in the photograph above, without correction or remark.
6:39
